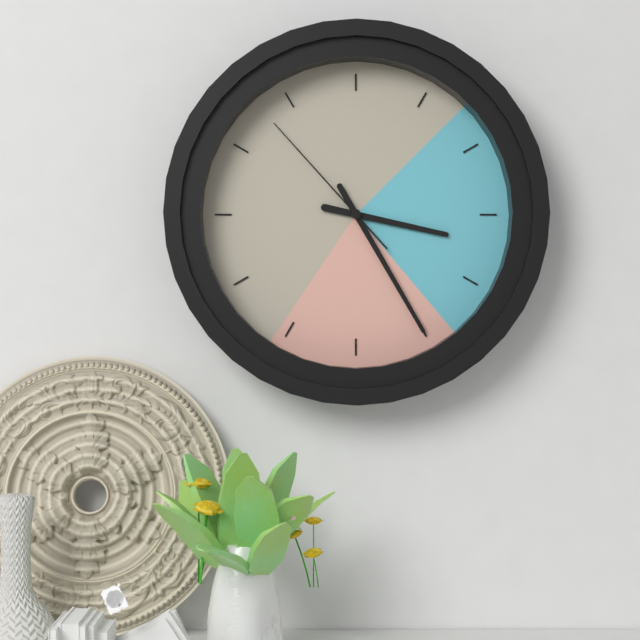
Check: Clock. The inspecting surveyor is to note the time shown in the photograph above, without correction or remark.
3:25:53
